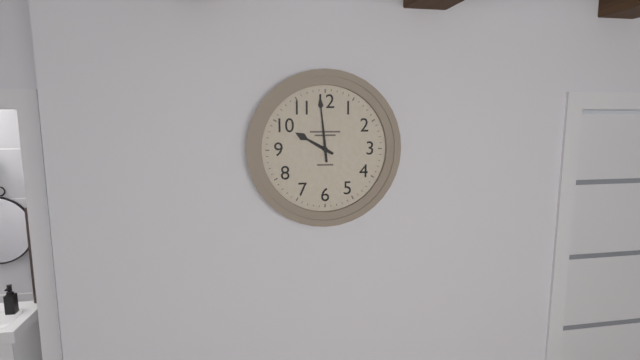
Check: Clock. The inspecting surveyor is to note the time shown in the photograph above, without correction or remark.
9:59
